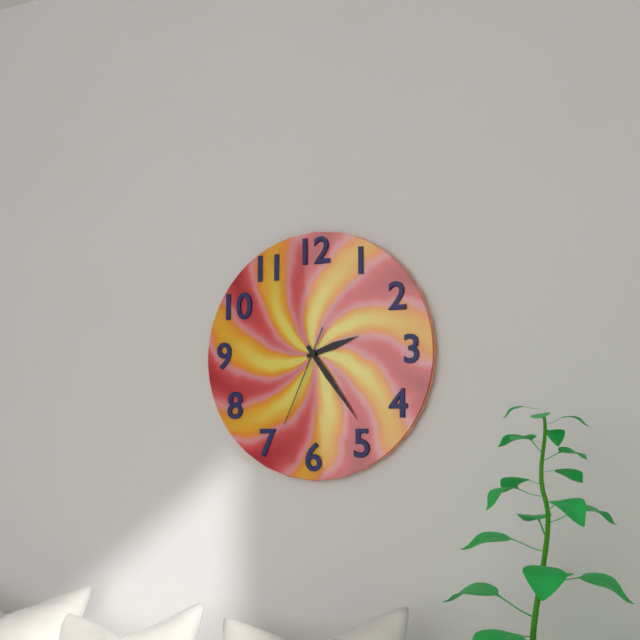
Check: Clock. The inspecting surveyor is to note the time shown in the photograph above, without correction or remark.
2:24:34
